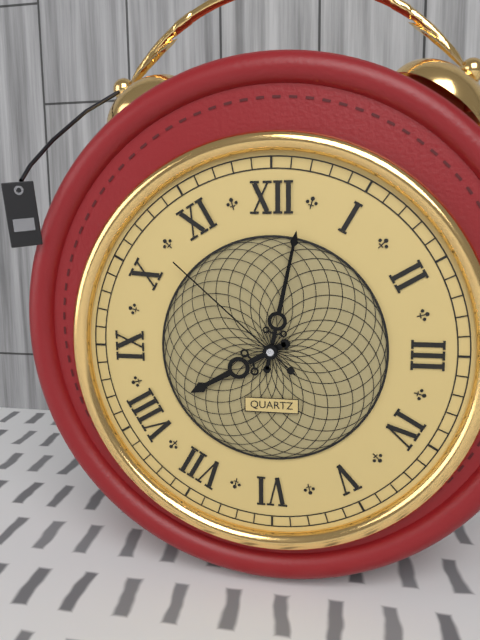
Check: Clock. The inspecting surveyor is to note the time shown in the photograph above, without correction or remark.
8:02:52
